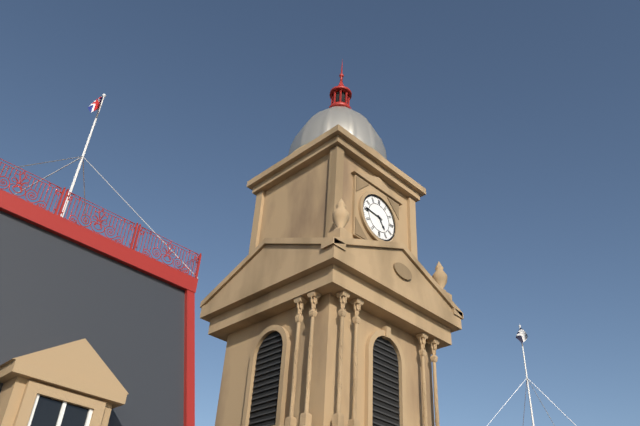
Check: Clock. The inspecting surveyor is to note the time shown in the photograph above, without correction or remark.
4:46
